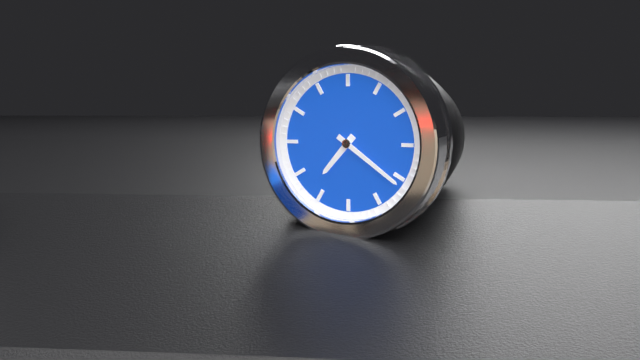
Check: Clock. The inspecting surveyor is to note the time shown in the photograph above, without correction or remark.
7:21
